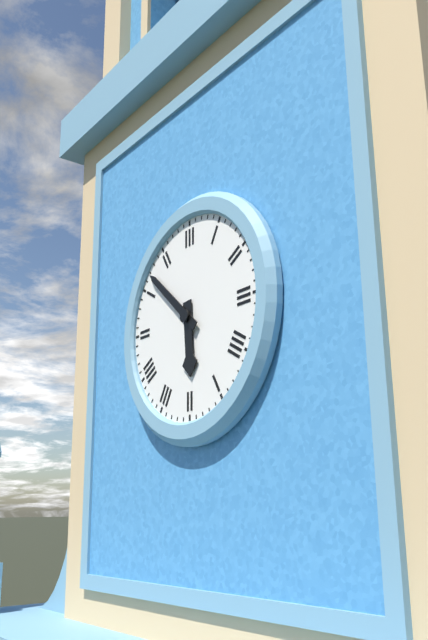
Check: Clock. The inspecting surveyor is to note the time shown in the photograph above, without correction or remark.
5:52
